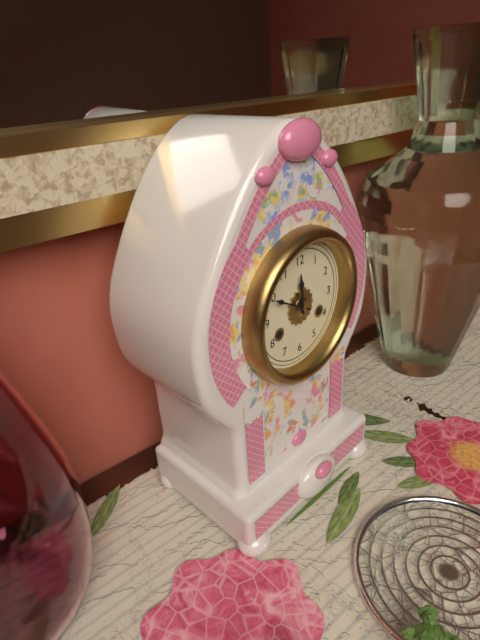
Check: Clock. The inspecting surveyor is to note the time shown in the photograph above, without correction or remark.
11:50
